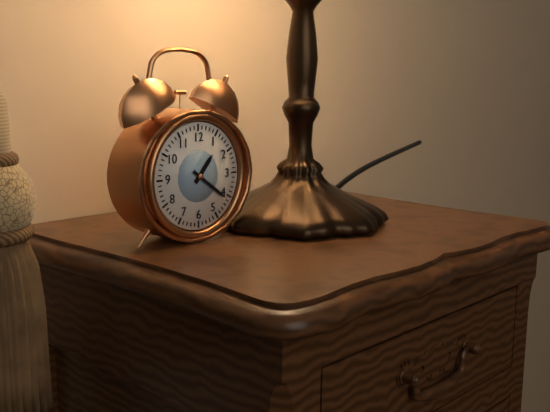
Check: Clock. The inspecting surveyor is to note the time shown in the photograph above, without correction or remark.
1:21
